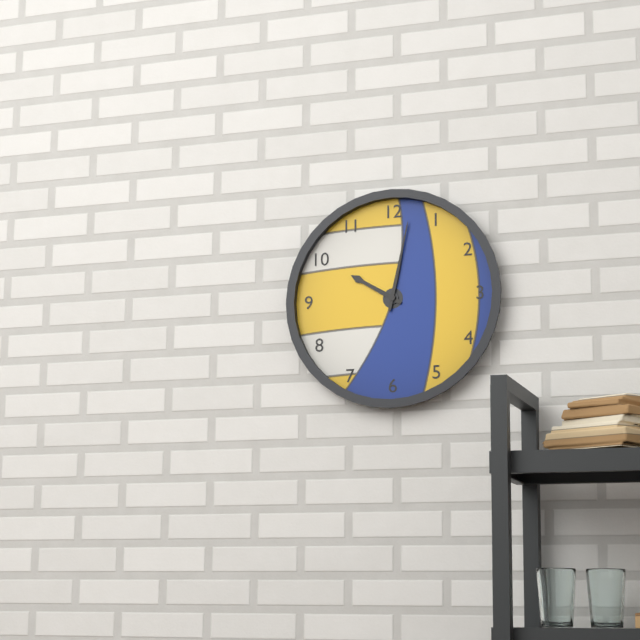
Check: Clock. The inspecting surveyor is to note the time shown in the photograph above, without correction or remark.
10:02
